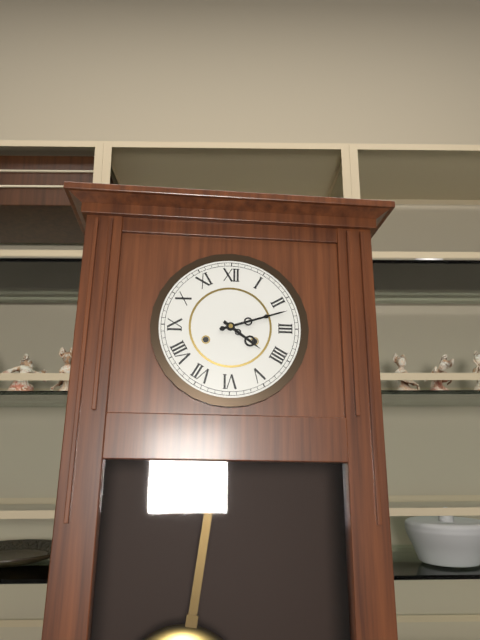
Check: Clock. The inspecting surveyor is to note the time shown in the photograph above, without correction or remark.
4:12
